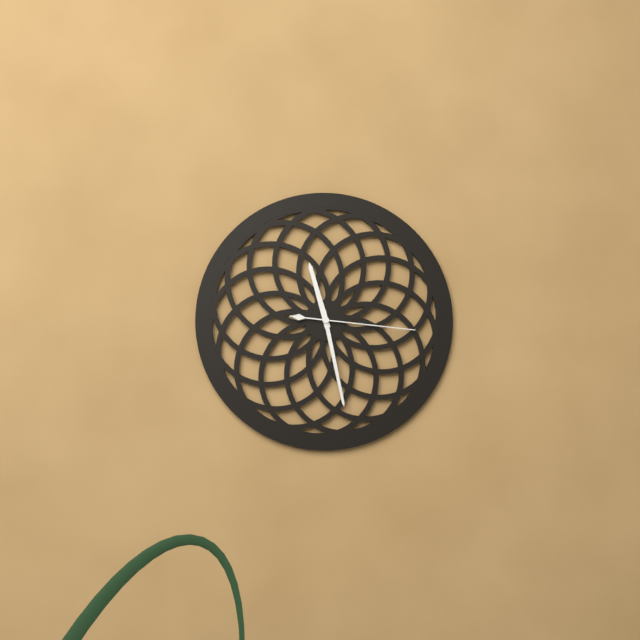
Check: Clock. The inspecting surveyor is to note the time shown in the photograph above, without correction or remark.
11:28:16
